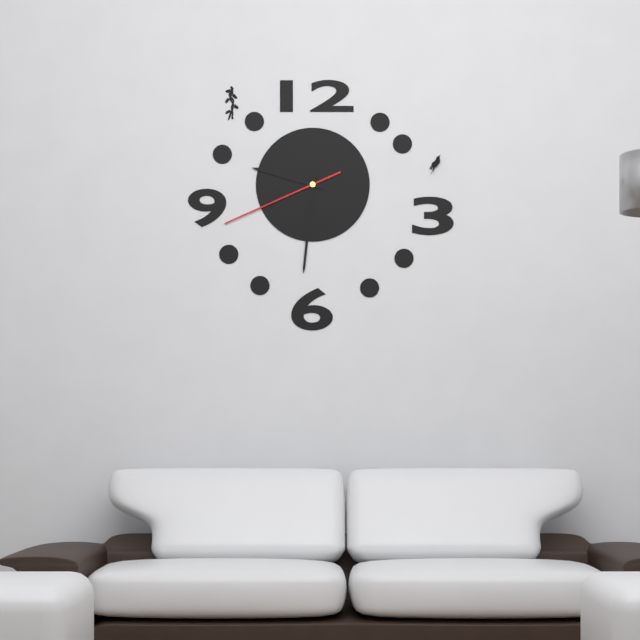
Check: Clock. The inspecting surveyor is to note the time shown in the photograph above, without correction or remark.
9:31:41
